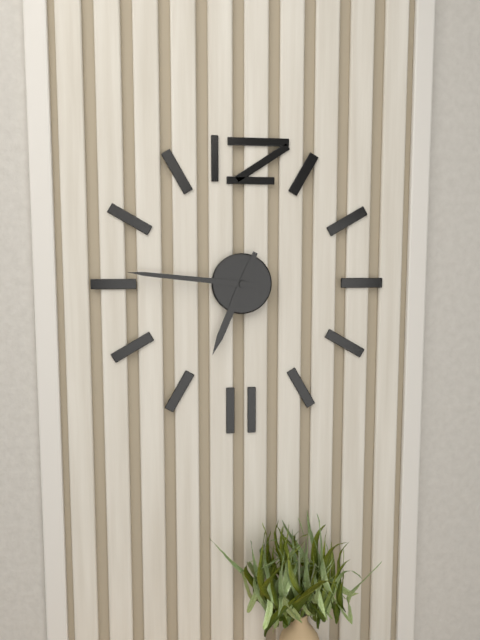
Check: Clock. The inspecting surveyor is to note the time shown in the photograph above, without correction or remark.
6:46
